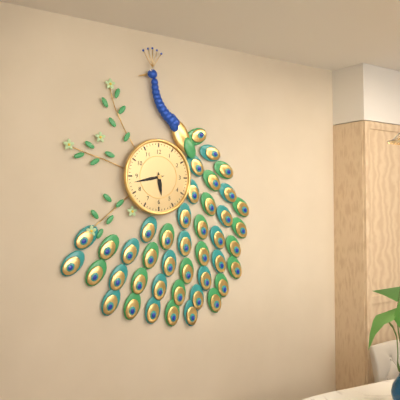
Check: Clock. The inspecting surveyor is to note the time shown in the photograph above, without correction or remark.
5:43
